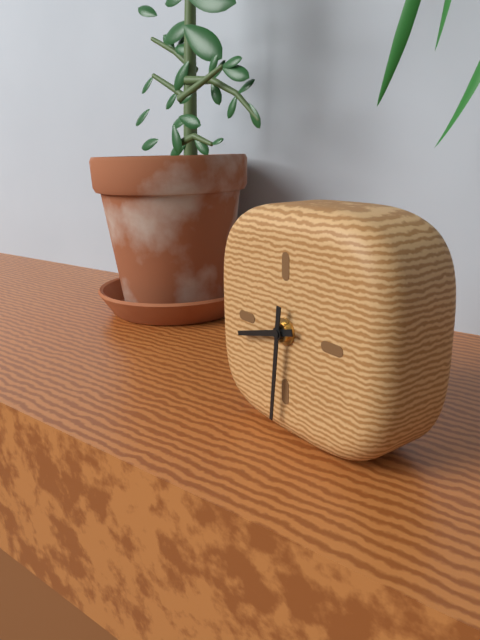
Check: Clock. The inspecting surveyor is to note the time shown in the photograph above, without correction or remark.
8:31
